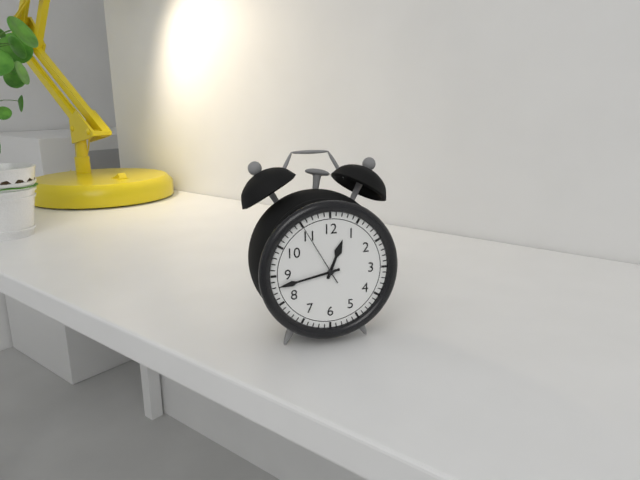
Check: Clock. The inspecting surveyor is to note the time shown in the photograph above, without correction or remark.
12:43:55
